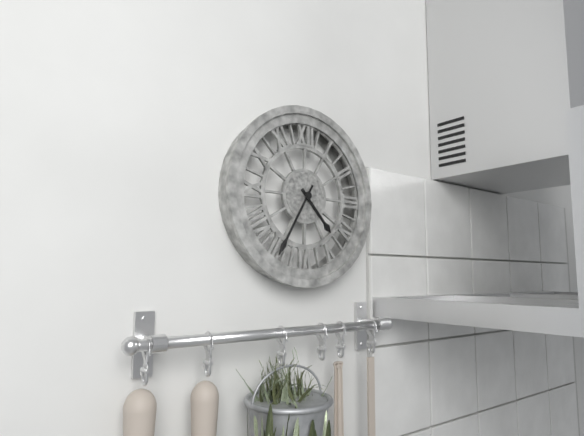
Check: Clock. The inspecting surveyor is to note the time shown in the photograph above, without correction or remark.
4:35
